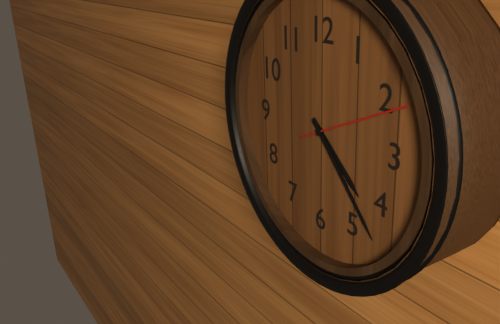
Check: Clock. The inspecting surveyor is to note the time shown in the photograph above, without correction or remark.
4:23:11
